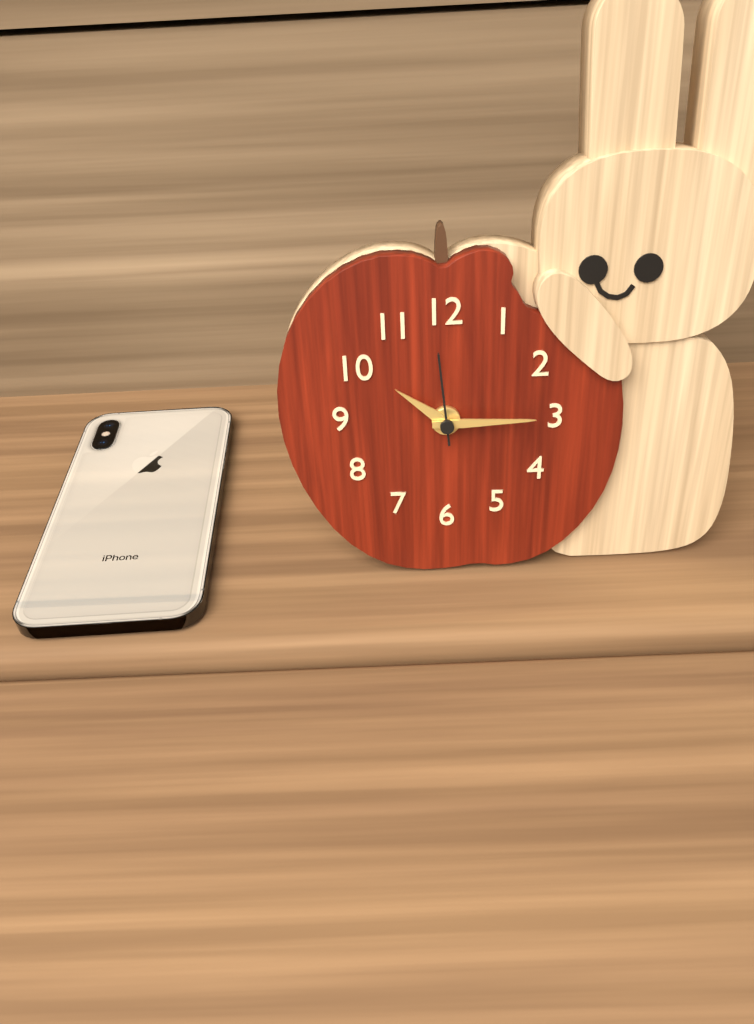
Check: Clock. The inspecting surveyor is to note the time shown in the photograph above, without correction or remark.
10:15:59
